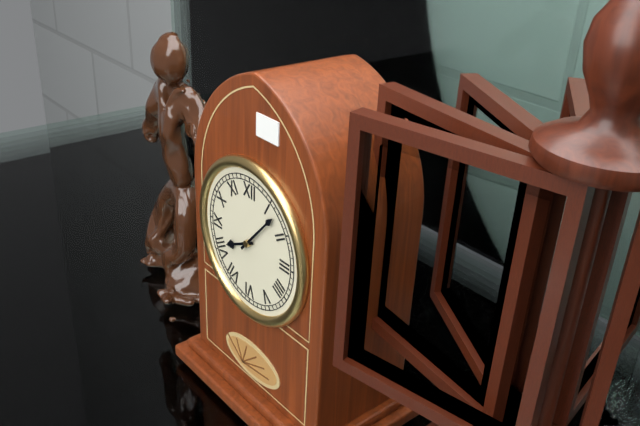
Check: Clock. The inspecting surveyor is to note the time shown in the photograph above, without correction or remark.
8:07
